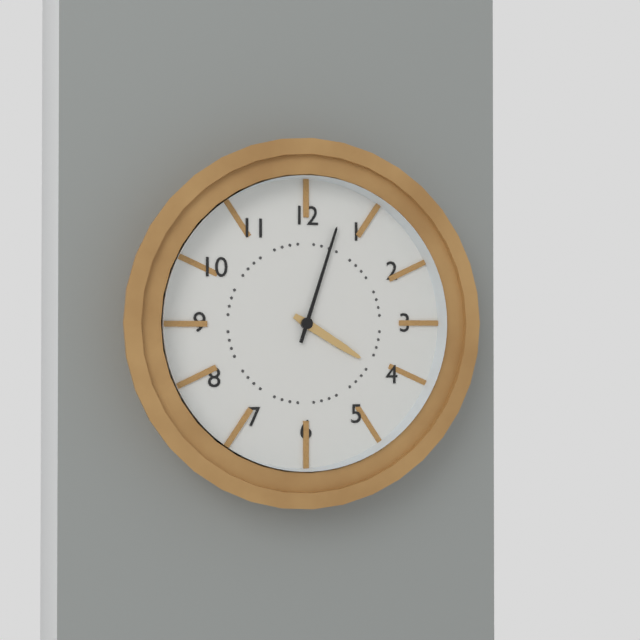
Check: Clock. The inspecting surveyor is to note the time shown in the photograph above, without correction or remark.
4:03
